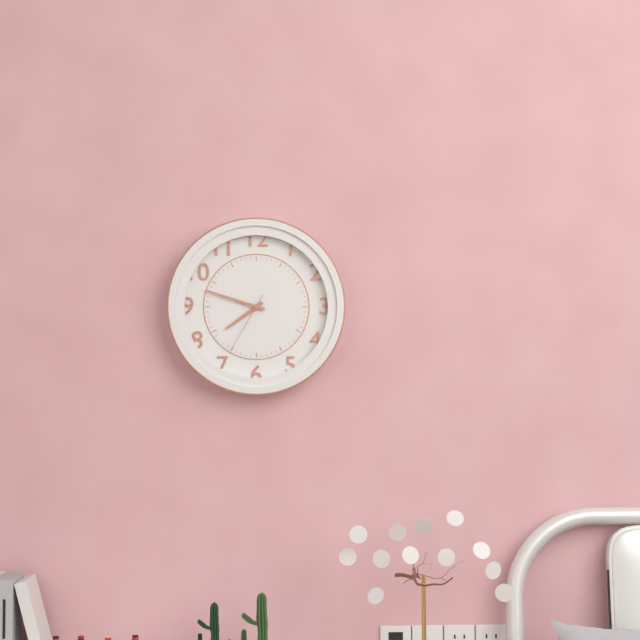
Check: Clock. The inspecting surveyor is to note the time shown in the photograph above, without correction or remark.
7:48:35
